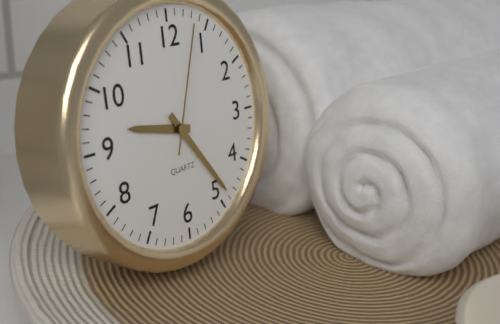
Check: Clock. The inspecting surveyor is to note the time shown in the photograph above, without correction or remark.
9:24:03
